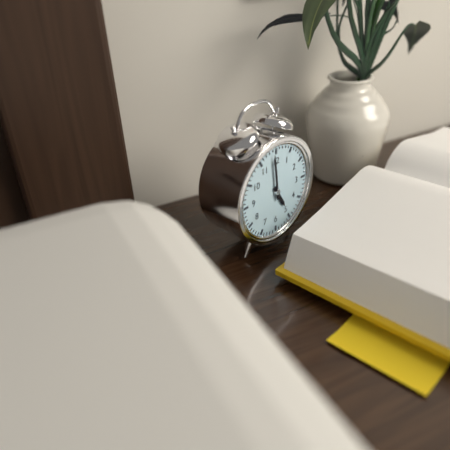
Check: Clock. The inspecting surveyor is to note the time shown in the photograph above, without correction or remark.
4:59
